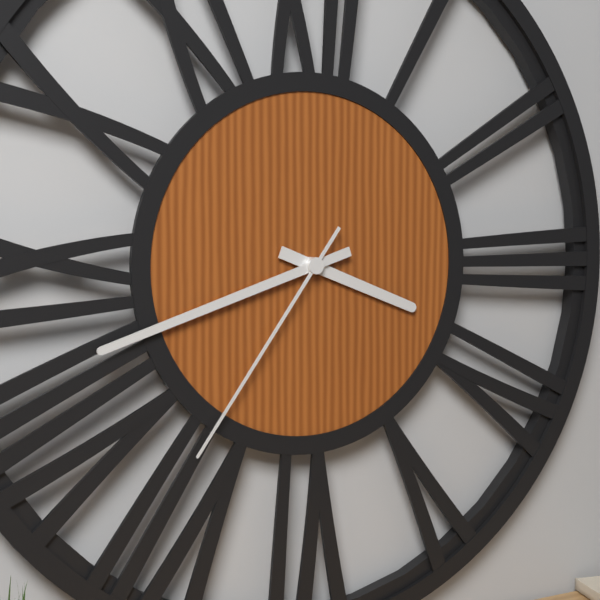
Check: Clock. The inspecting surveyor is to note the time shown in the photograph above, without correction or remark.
3:42:36
